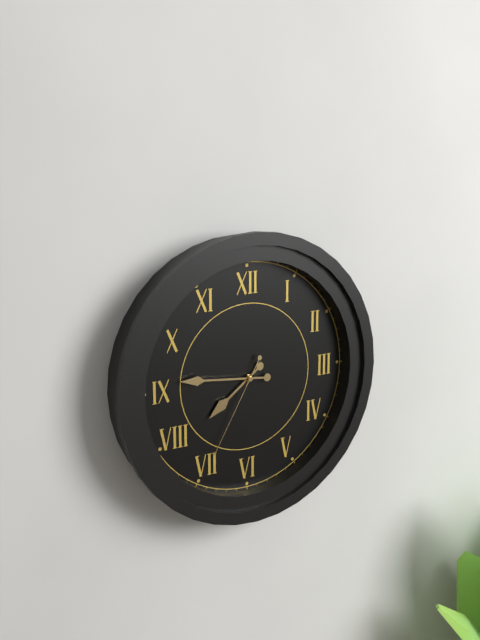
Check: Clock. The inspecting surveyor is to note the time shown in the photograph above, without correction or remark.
7:46:35
